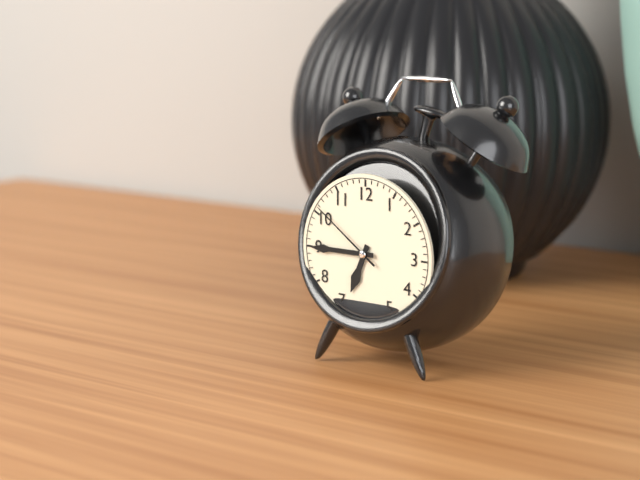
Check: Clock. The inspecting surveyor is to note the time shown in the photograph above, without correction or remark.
6:45:51
